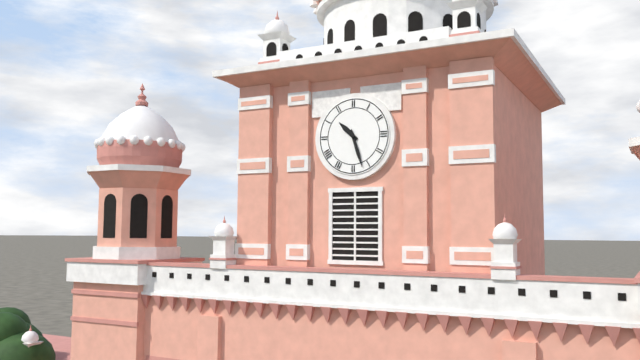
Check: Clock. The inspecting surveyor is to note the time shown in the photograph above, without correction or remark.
10:27
